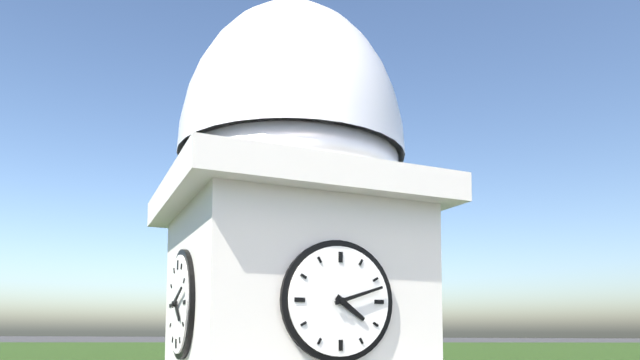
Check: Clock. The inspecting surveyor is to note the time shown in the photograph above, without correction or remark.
4:12
